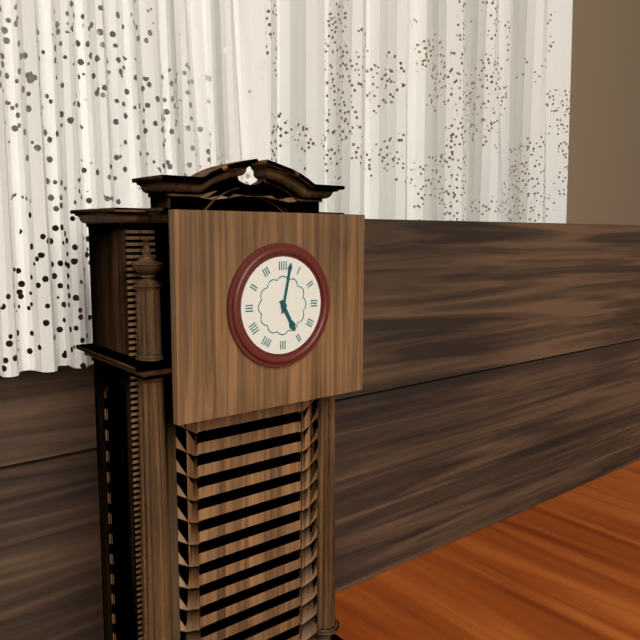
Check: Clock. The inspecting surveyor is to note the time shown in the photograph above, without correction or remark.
5:02
